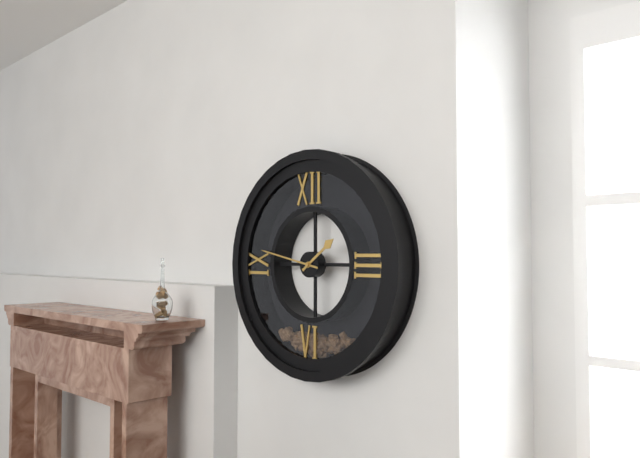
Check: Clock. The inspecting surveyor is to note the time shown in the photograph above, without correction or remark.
1:47
